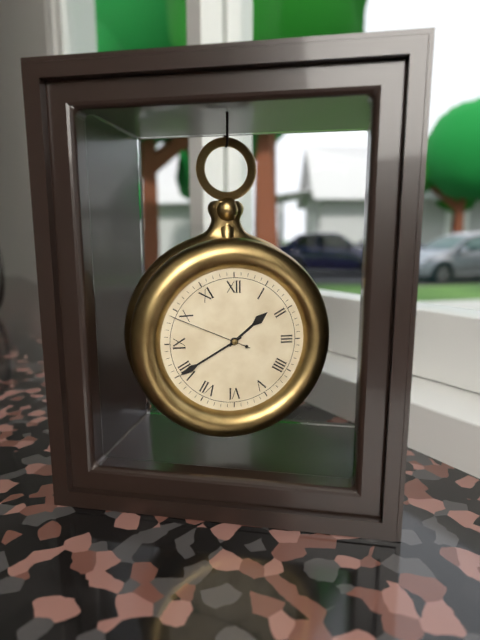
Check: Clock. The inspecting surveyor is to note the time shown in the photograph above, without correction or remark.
1:40:49
